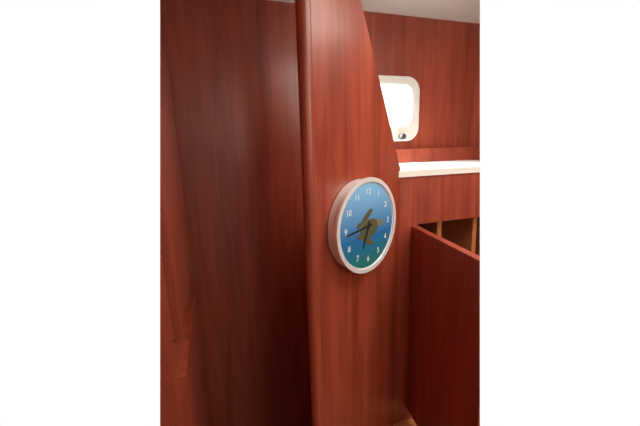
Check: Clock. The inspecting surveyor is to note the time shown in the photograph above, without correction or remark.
6:44
